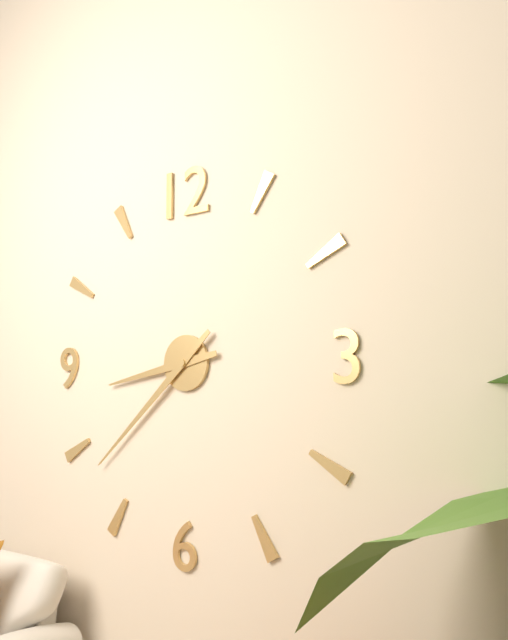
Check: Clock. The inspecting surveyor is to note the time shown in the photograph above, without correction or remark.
8:38
